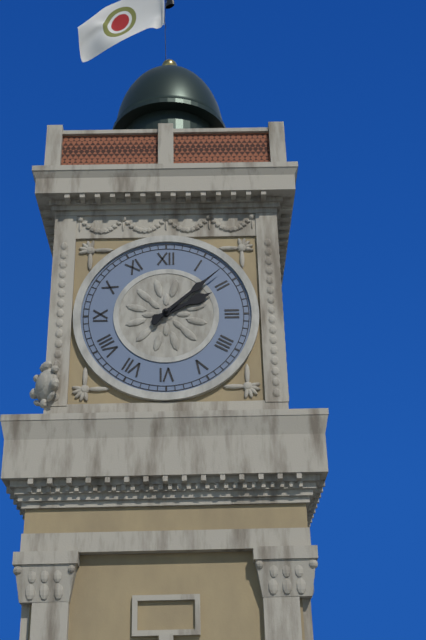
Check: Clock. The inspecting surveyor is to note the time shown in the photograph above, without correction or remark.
2:08
